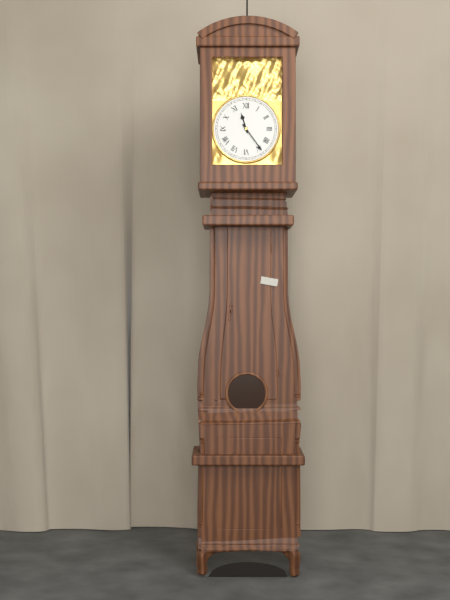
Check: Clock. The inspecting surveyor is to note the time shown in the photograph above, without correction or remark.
11:24
